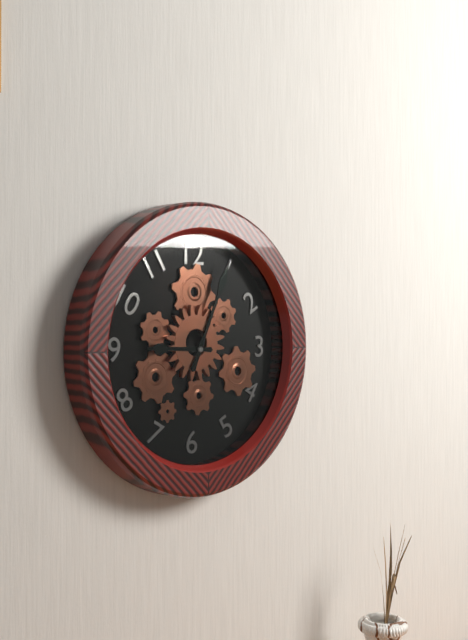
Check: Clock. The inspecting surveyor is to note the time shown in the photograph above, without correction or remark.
9:04
